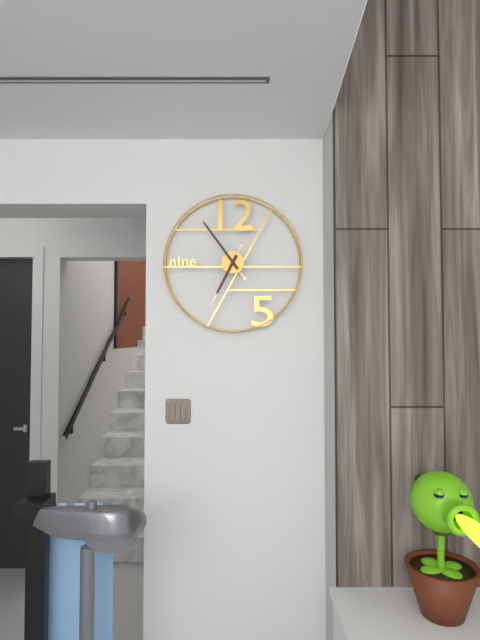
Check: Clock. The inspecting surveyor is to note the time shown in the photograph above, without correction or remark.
6:54
